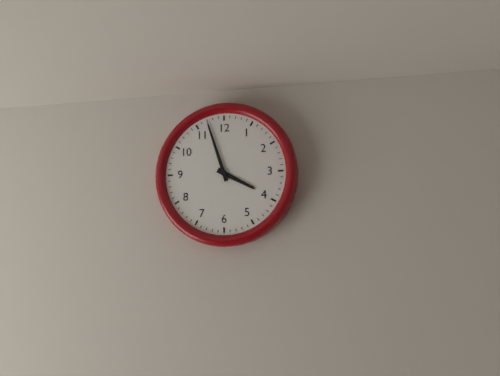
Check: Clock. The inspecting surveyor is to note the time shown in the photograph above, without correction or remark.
3:57
